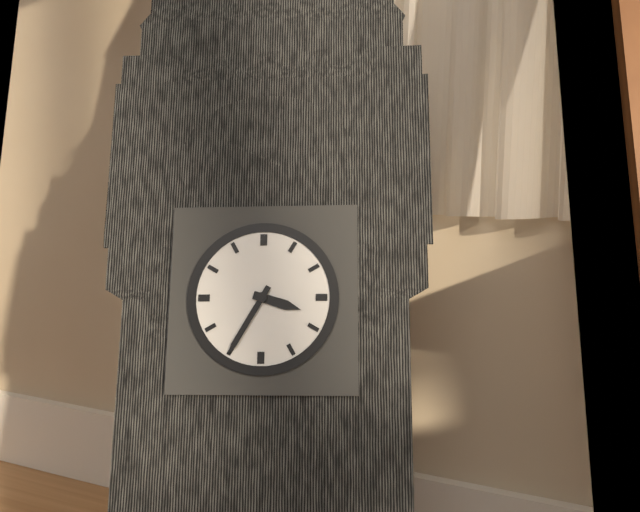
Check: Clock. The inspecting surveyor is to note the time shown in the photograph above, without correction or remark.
3:35
